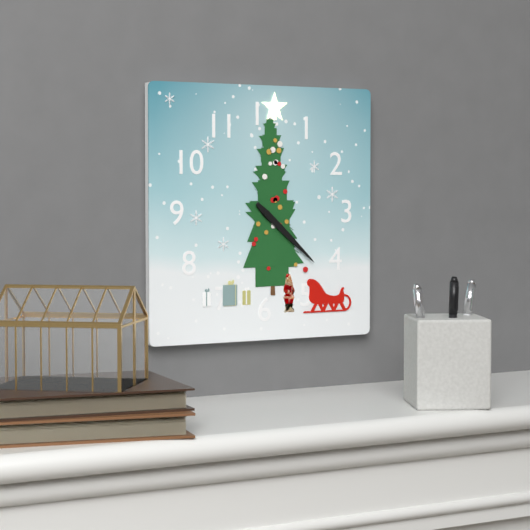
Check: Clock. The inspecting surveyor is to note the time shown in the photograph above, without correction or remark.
4:22
